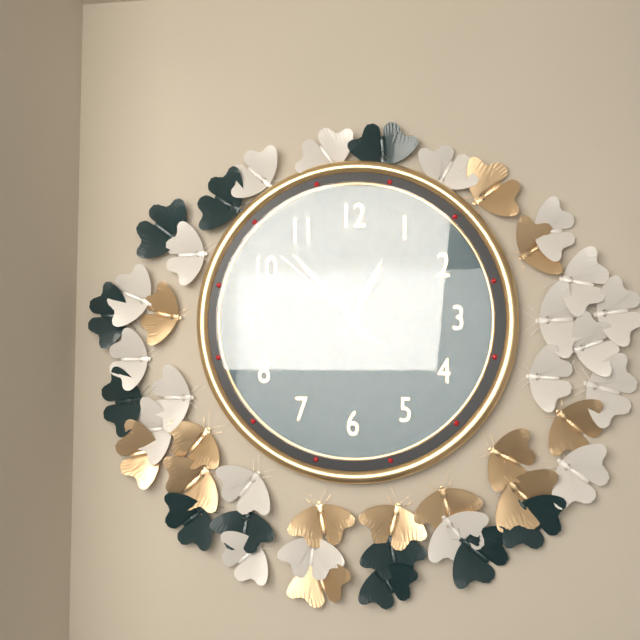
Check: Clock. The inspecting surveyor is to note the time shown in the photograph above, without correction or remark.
12:53:52
